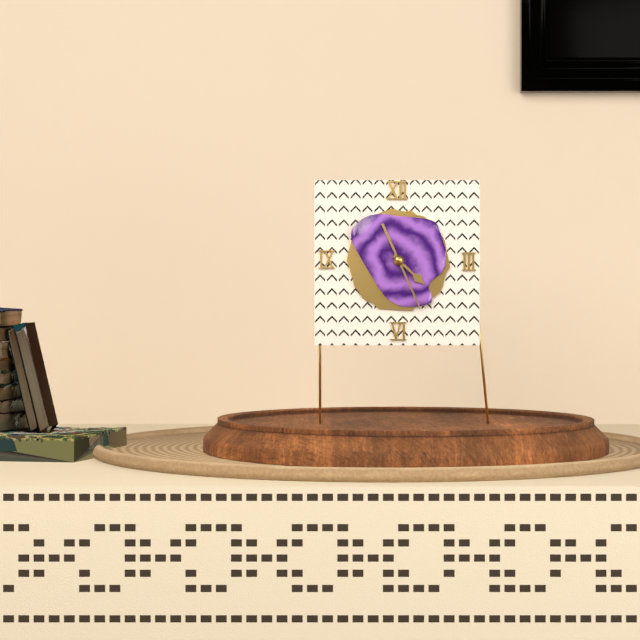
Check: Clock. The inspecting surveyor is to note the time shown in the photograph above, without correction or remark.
4:26
